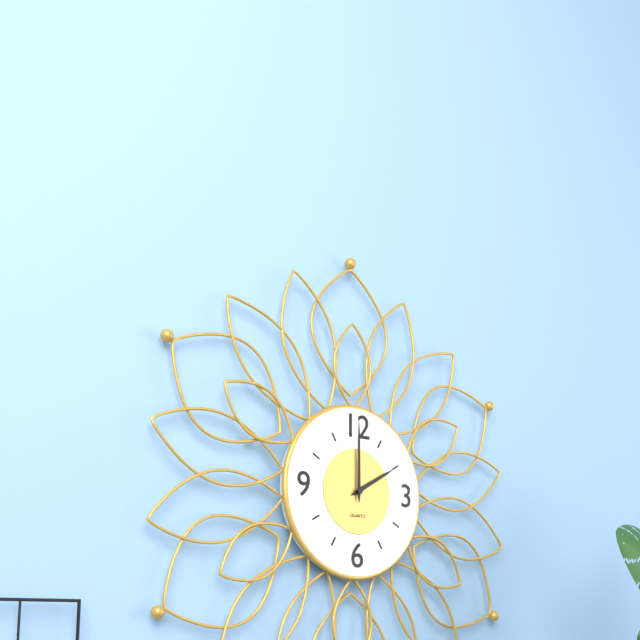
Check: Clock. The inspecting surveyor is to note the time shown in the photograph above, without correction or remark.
2:00
